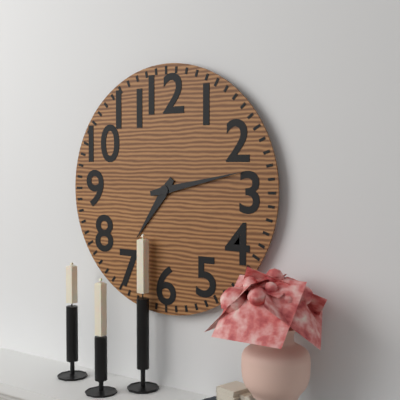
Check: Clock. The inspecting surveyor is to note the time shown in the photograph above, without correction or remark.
7:13
